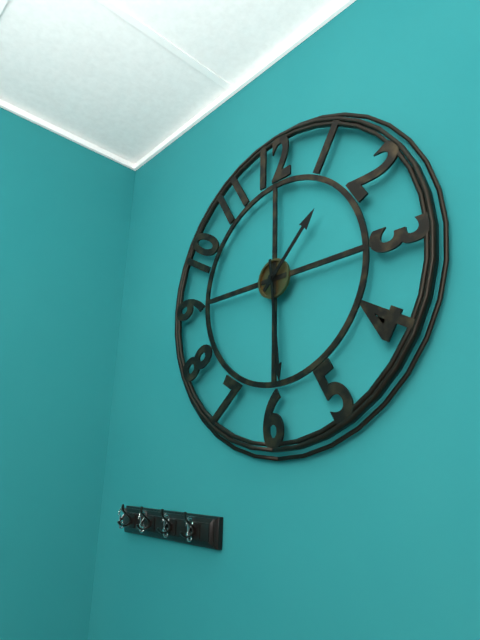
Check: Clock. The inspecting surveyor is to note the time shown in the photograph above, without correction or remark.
1:29
